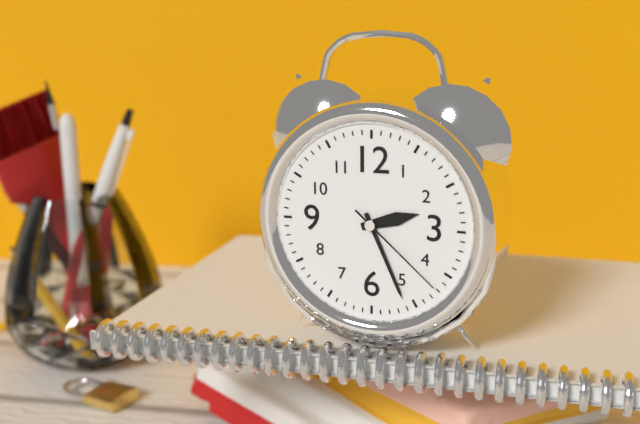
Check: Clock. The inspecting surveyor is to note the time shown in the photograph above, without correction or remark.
2:26:22
